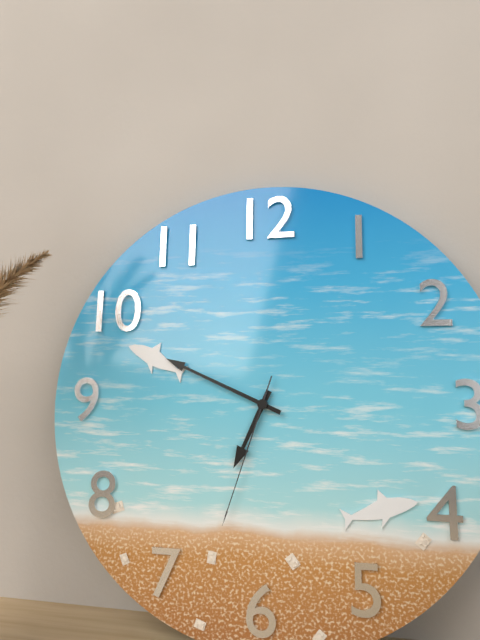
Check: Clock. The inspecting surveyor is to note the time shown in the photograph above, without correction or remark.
6:49:33
